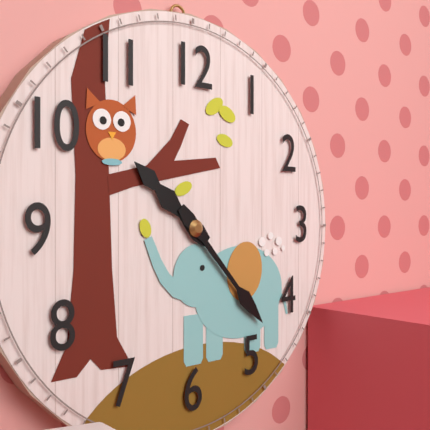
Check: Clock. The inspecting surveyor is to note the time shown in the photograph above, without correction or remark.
10:23
